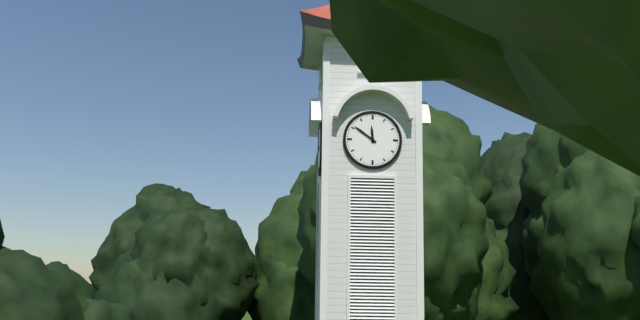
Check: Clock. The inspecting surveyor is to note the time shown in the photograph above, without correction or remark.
11:51
